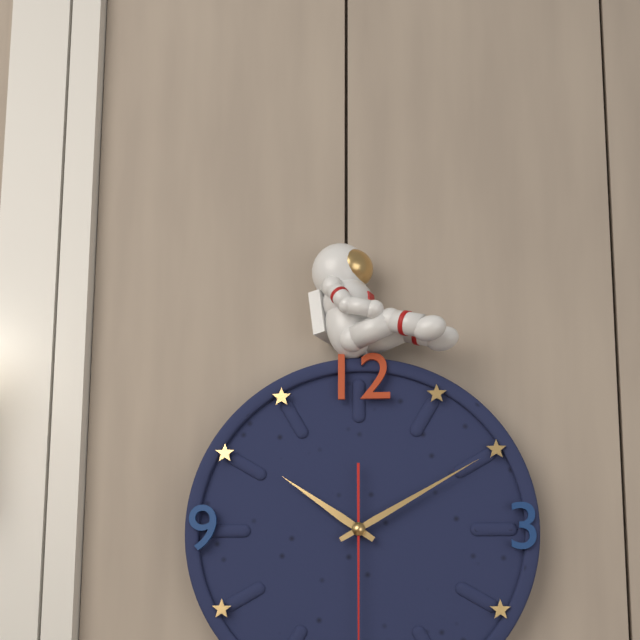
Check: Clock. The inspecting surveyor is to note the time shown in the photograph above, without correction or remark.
10:10
